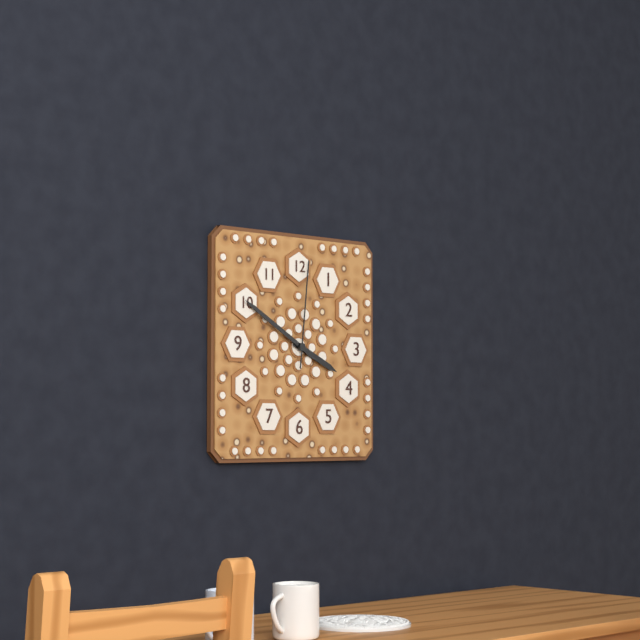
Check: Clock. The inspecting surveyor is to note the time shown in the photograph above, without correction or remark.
3:50:01
